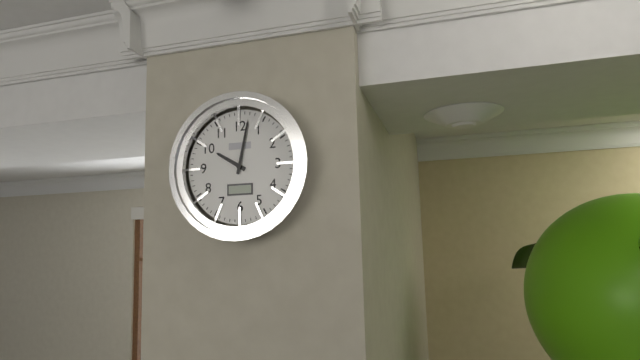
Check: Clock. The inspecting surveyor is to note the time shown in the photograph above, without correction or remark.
10:02
